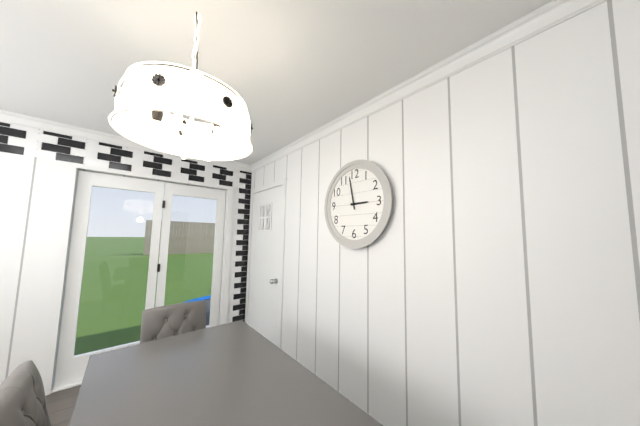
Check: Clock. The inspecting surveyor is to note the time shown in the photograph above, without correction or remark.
2:58
